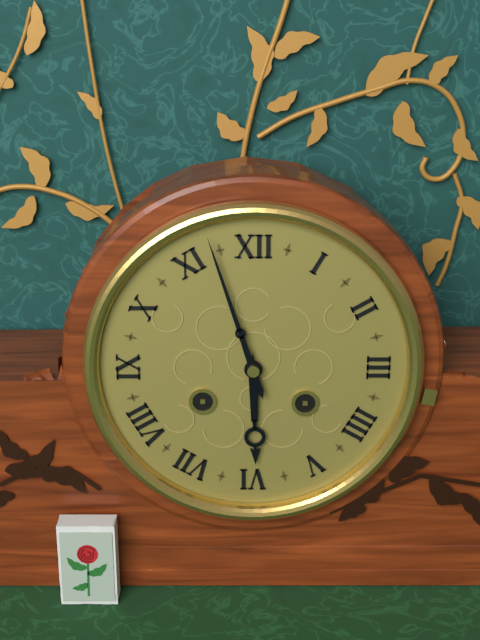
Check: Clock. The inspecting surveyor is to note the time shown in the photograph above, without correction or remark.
5:57
